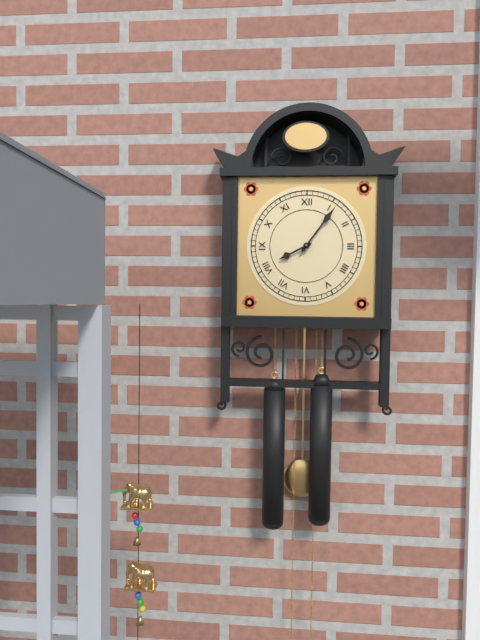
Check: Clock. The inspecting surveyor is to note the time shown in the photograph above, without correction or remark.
8:06
